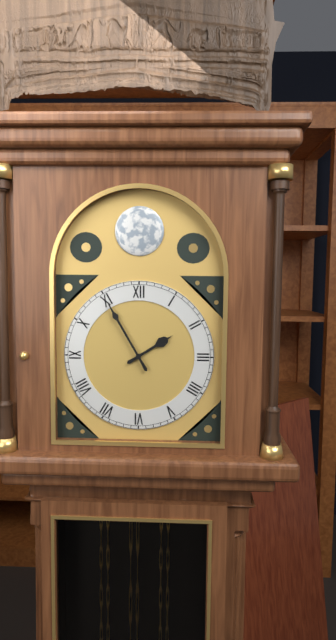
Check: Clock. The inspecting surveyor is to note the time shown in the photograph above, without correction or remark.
1:55
